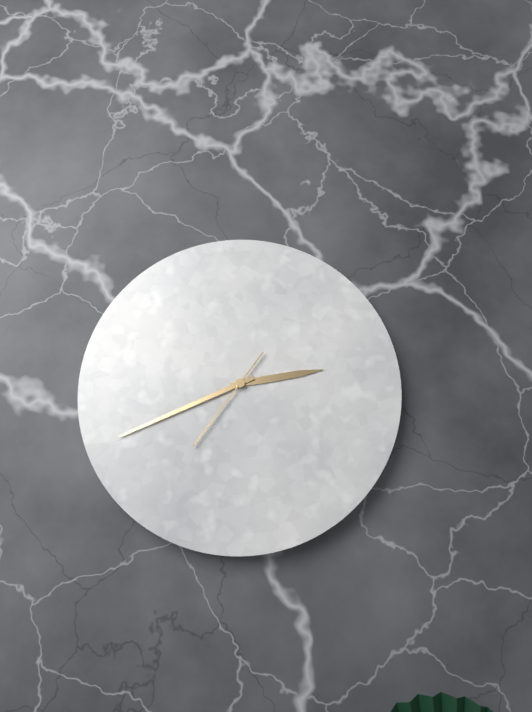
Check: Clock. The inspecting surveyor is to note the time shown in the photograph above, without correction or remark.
2:41:36
